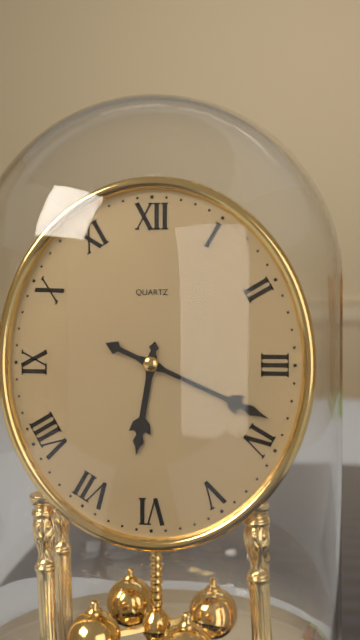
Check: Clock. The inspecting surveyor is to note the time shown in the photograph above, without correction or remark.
6:19
